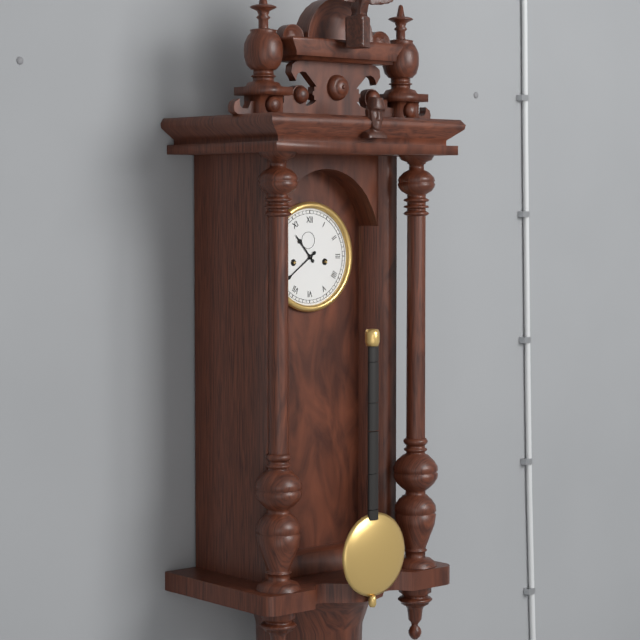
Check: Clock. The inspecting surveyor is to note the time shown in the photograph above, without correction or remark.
10:39
